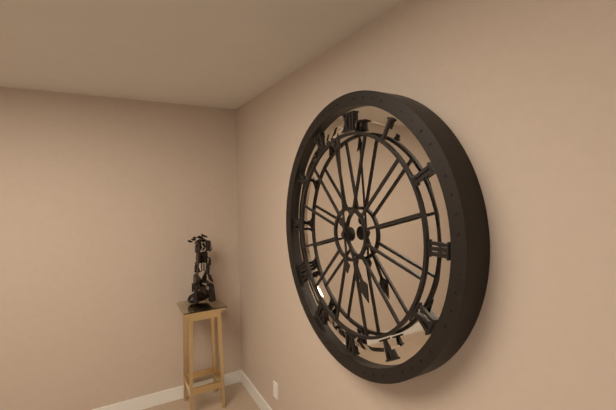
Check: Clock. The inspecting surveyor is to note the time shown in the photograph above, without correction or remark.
4:59
